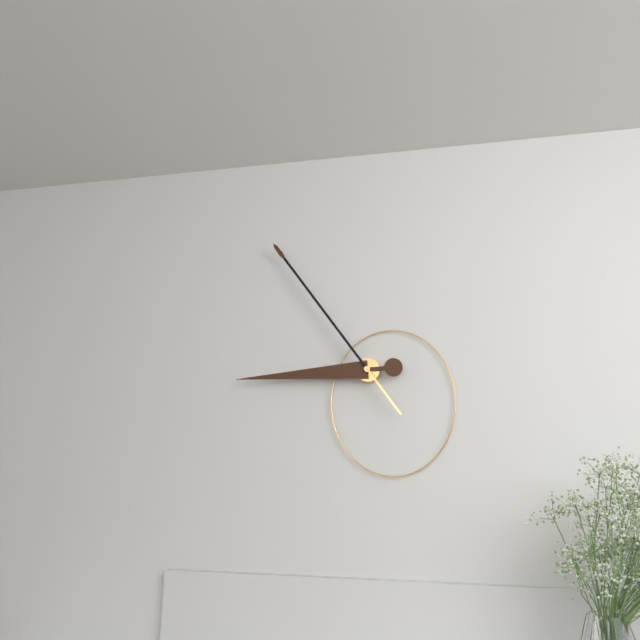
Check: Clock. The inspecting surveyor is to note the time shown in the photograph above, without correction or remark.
8:54
